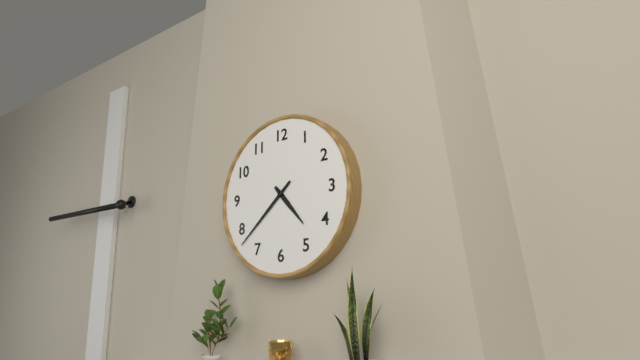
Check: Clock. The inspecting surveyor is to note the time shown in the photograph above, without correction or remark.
4:38
